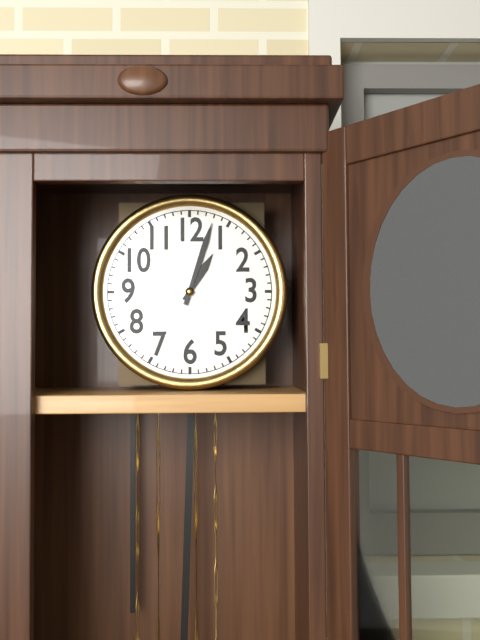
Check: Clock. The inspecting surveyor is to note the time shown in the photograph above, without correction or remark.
1:03
